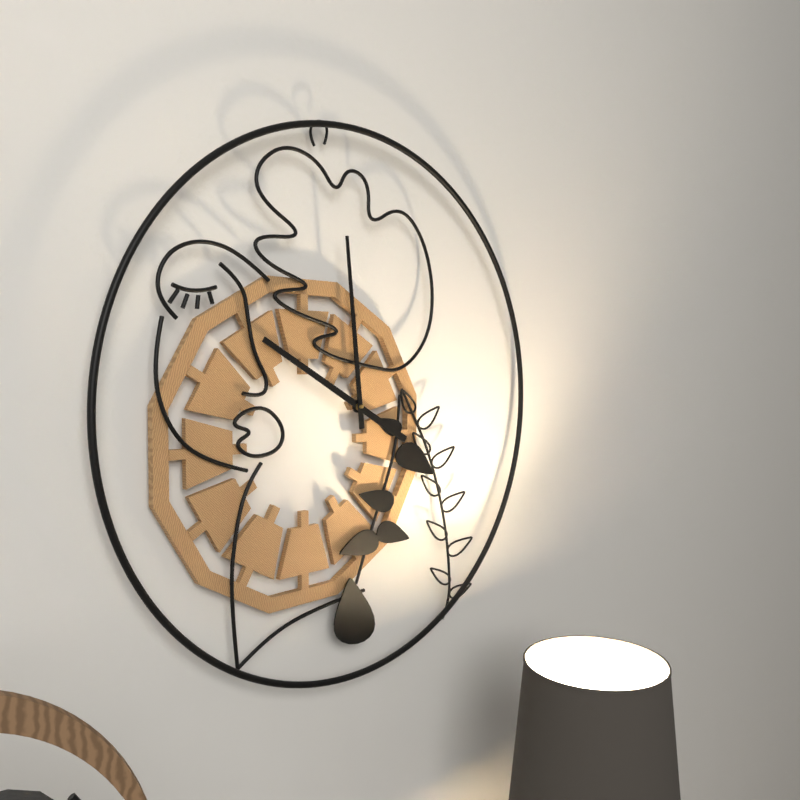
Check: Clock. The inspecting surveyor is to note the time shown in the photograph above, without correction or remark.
9:59
